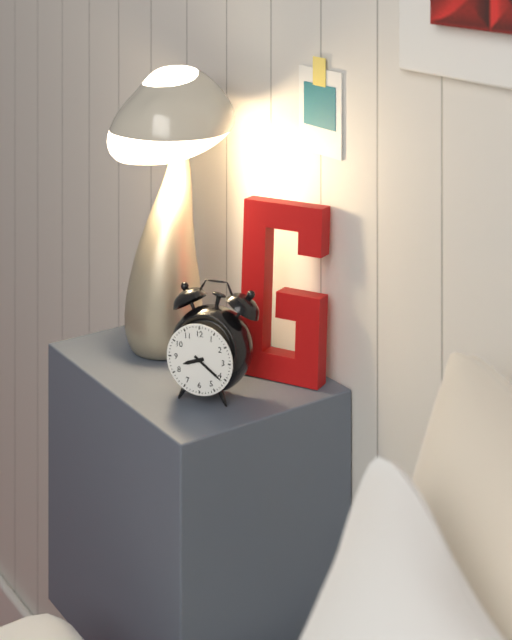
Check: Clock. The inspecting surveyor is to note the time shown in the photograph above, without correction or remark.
8:21
